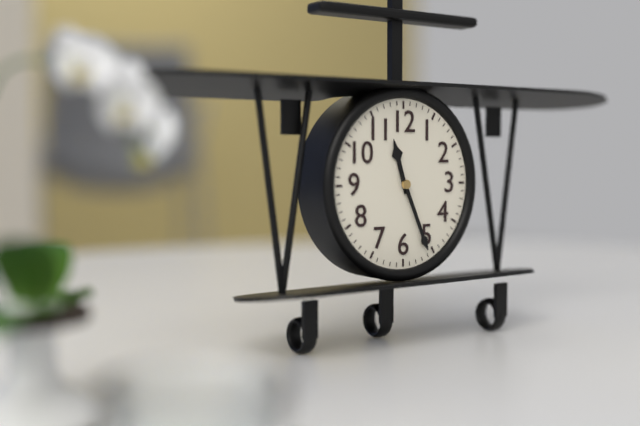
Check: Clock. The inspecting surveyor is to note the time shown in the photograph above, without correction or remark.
11:26
